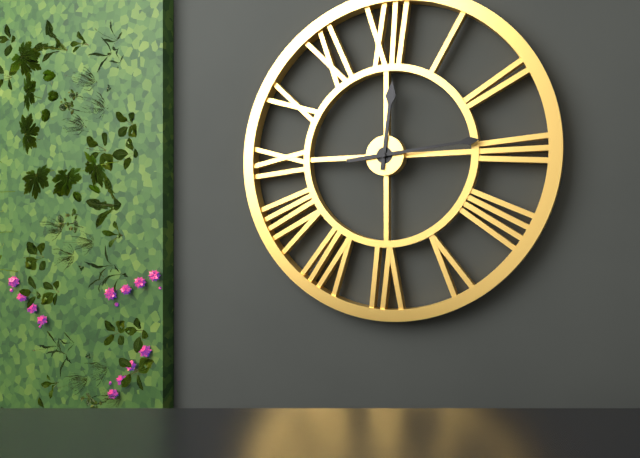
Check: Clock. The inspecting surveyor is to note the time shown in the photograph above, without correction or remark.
12:14
